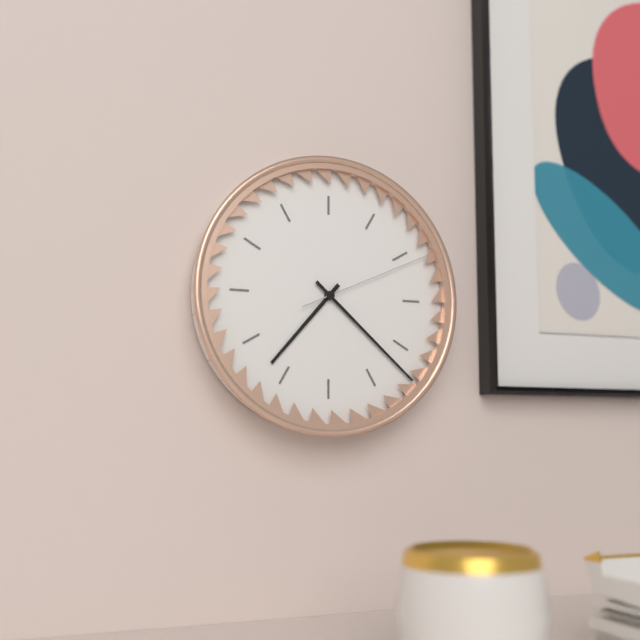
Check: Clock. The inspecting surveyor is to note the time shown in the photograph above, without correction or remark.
7:22:11
